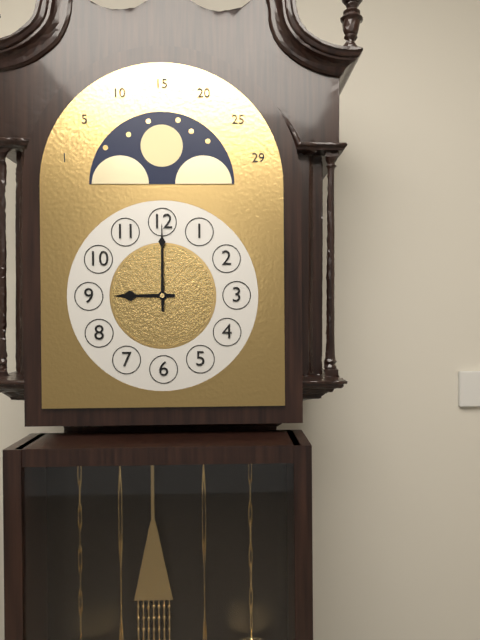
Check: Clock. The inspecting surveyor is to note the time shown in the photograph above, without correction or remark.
9:00
